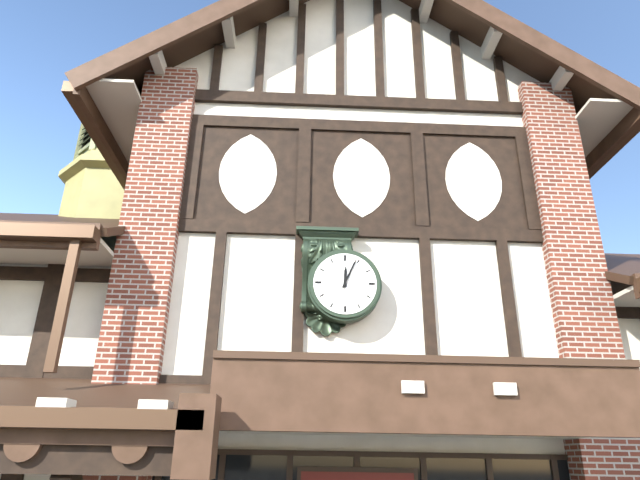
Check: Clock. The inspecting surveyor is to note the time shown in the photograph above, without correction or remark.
12:04
